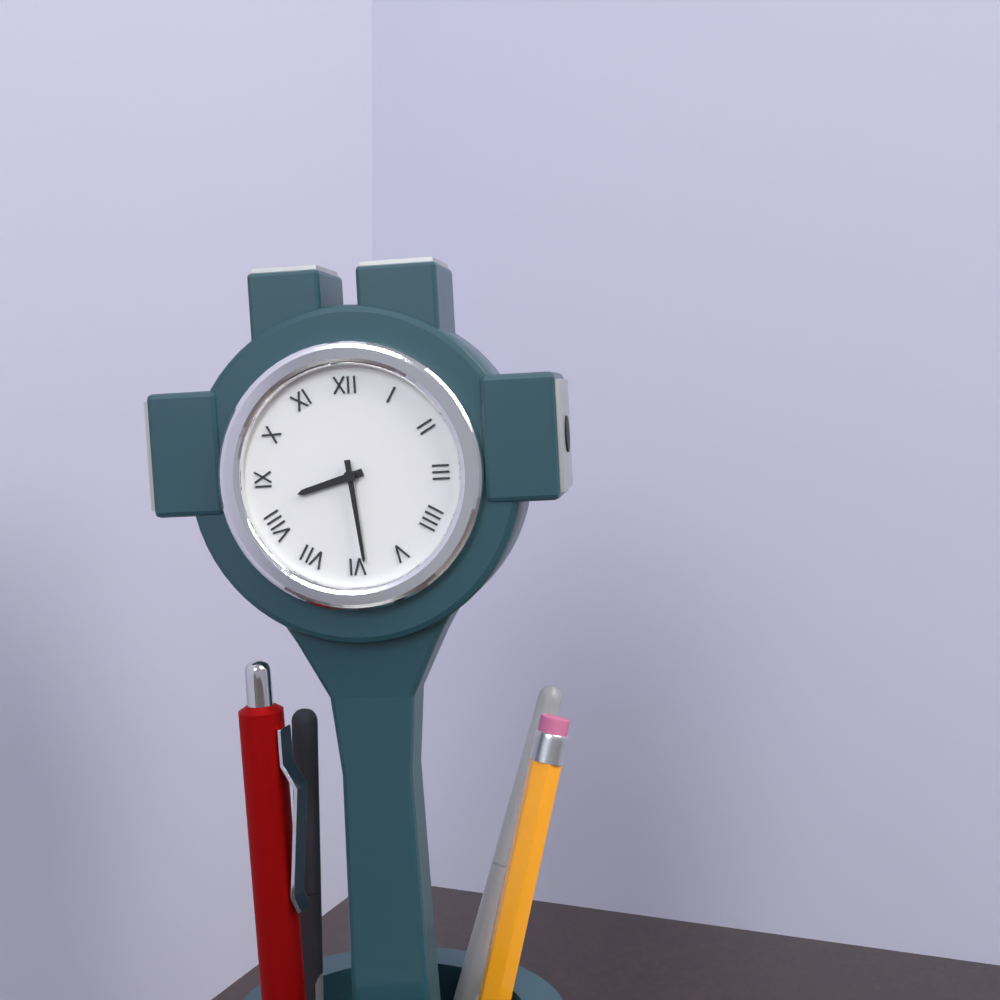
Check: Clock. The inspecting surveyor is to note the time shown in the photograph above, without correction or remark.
8:29
